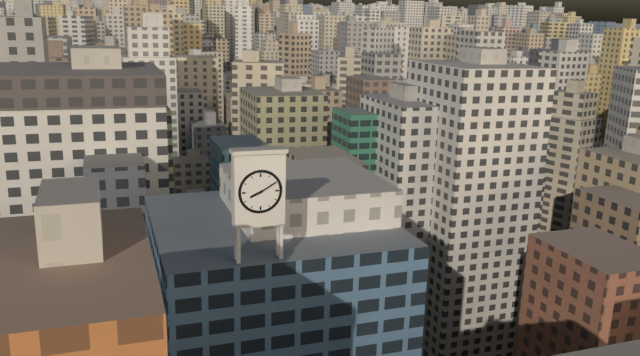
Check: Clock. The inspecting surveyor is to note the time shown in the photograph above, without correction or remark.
8:10
